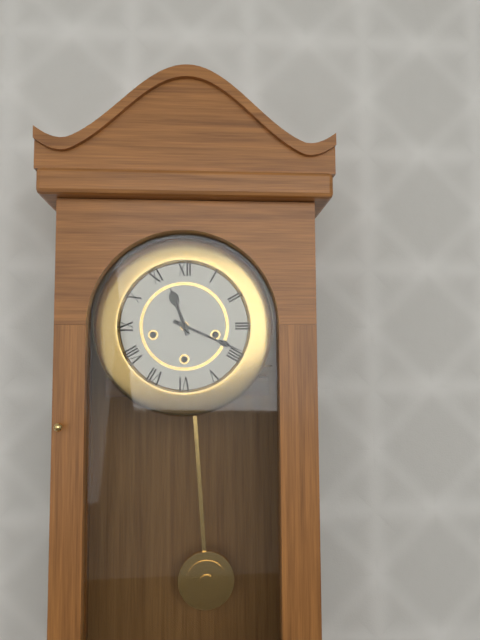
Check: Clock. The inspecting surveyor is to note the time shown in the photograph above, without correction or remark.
11:19
